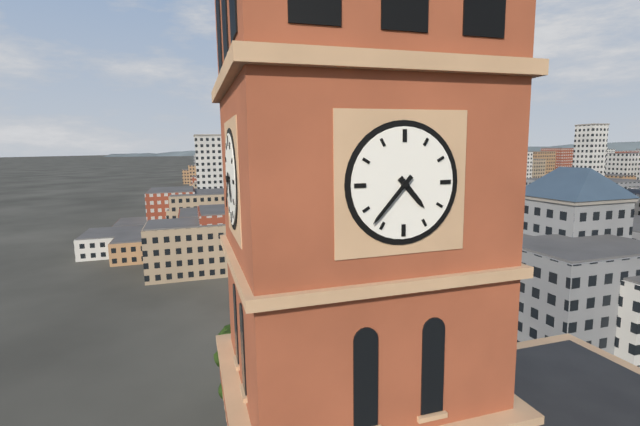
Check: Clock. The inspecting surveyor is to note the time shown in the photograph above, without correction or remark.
4:37
